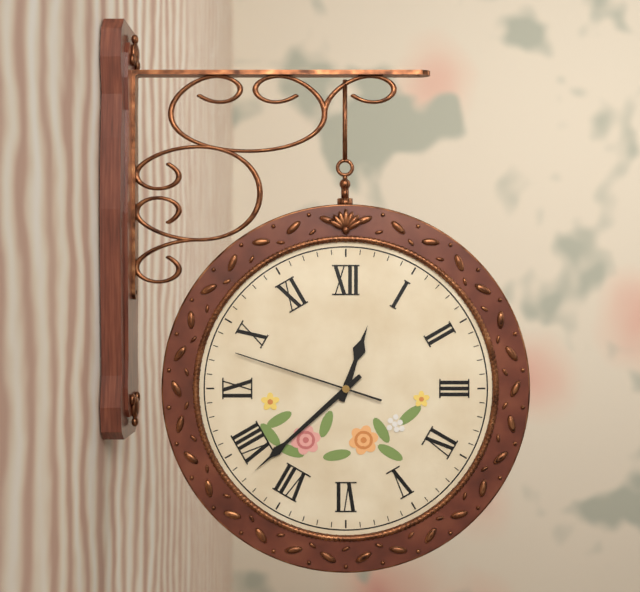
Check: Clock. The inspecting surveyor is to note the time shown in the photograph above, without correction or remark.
12:38:48
